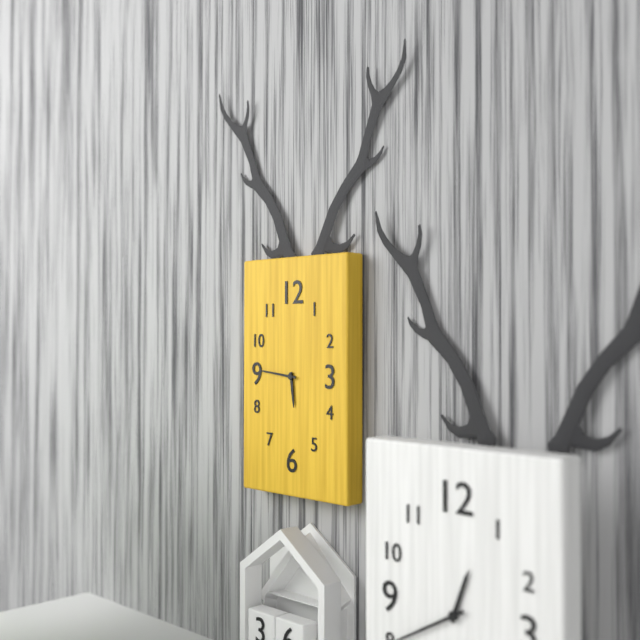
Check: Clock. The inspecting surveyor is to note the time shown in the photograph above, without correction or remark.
5:46
